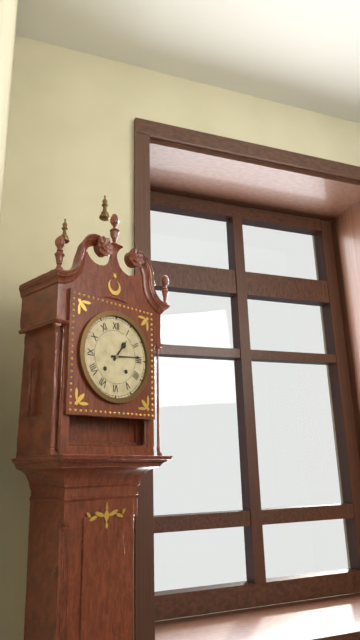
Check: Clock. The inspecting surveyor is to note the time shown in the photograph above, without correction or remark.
1:14
